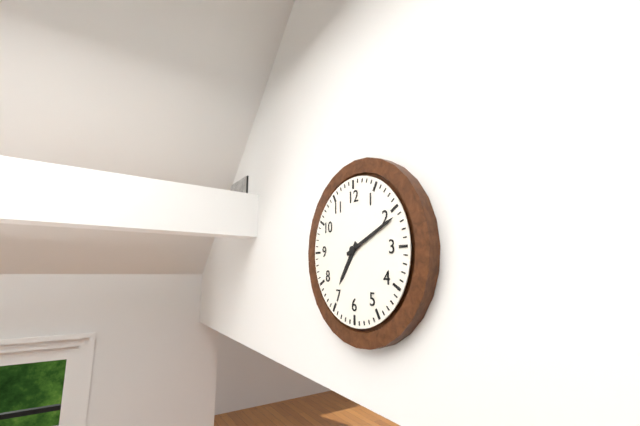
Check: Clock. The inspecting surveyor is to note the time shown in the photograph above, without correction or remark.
7:11
